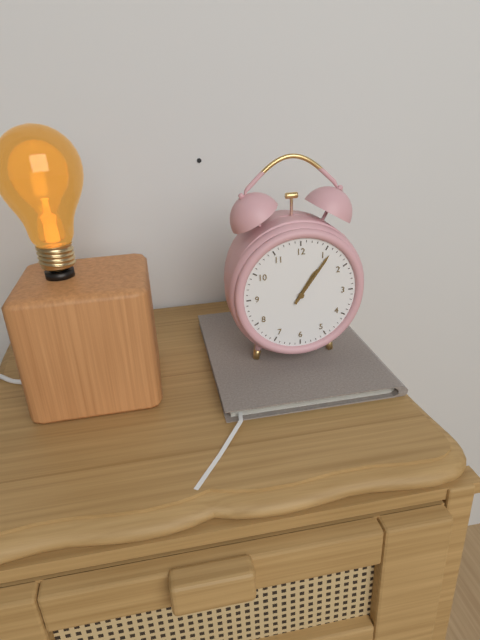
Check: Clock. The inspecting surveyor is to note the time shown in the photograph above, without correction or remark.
1:06
